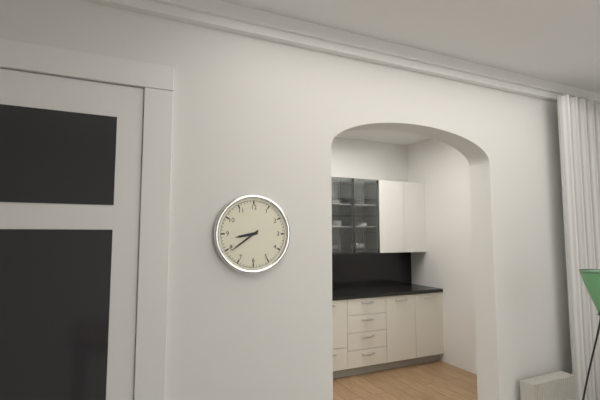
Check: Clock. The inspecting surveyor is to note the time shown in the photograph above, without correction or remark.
8:39
